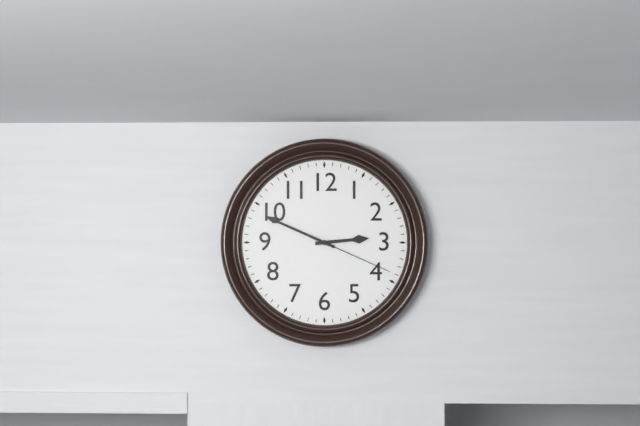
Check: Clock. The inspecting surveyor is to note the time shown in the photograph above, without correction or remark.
2:49:19
